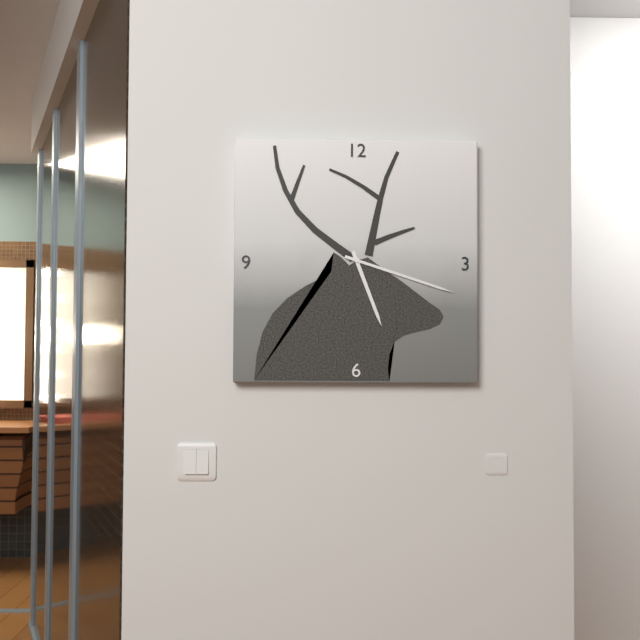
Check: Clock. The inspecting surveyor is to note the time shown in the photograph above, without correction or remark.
5:18
